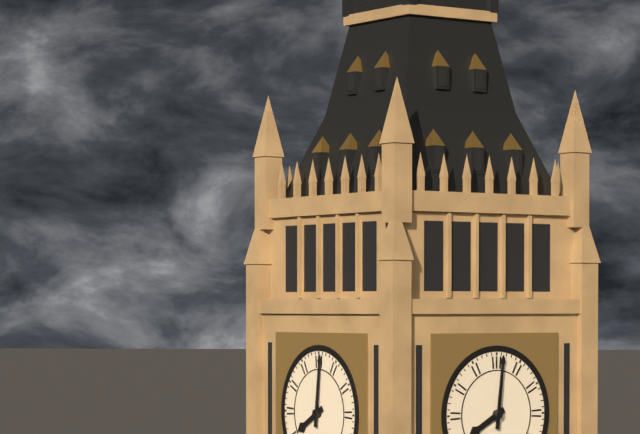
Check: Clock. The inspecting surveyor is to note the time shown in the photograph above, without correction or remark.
8:01
